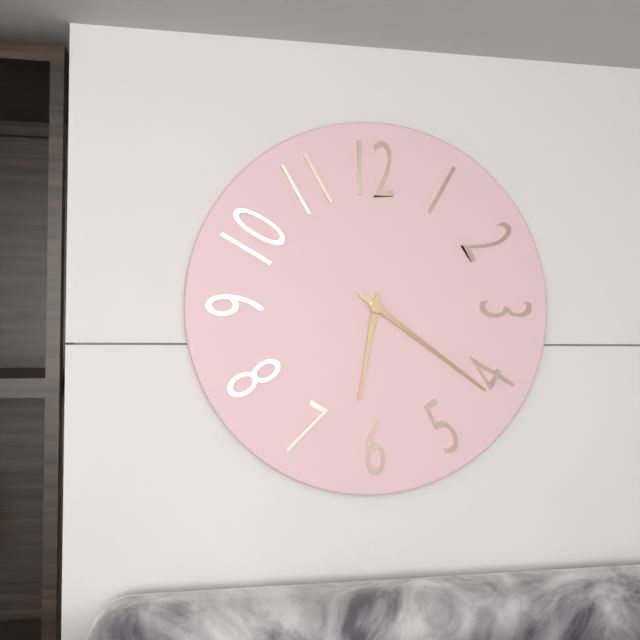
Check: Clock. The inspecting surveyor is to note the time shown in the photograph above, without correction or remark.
6:21
